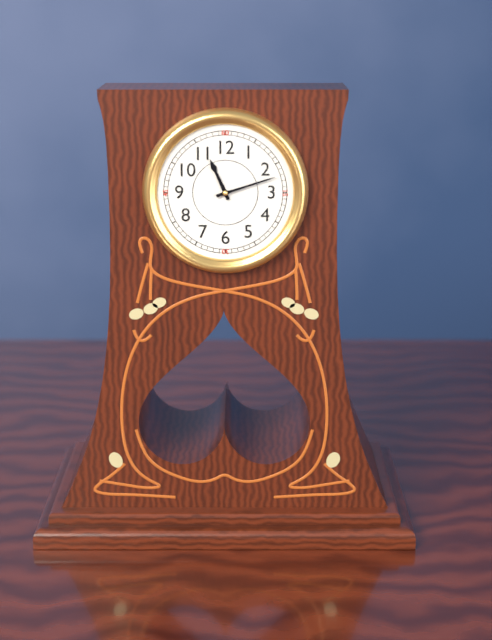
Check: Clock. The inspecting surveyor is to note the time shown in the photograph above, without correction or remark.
11:12
